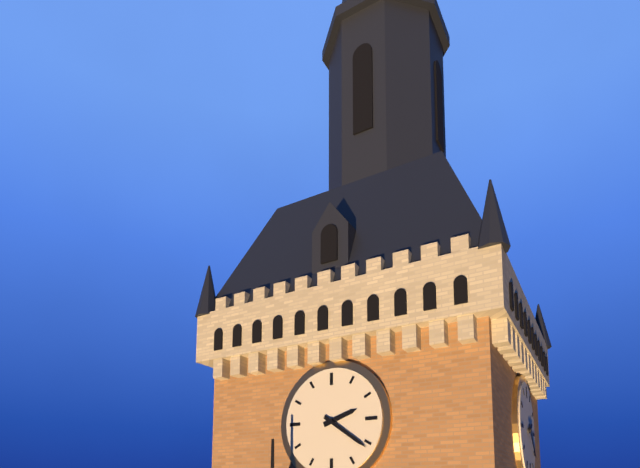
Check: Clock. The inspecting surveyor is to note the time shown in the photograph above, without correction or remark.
2:21
